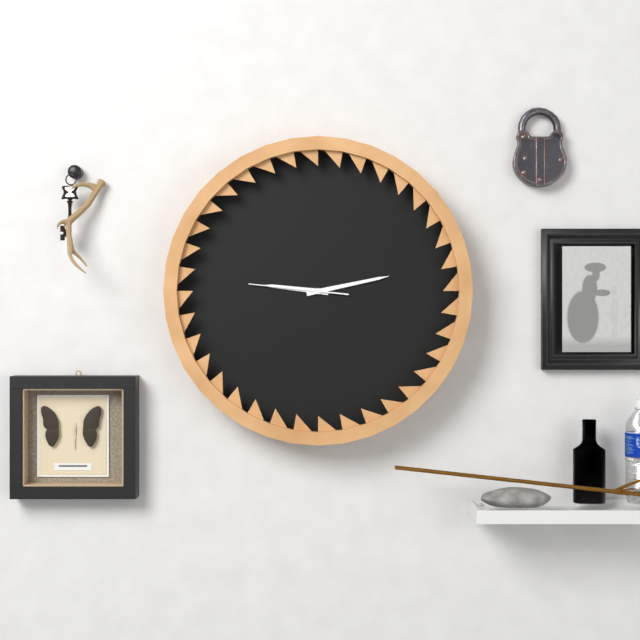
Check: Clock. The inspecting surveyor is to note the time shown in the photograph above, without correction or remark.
9:13:46
